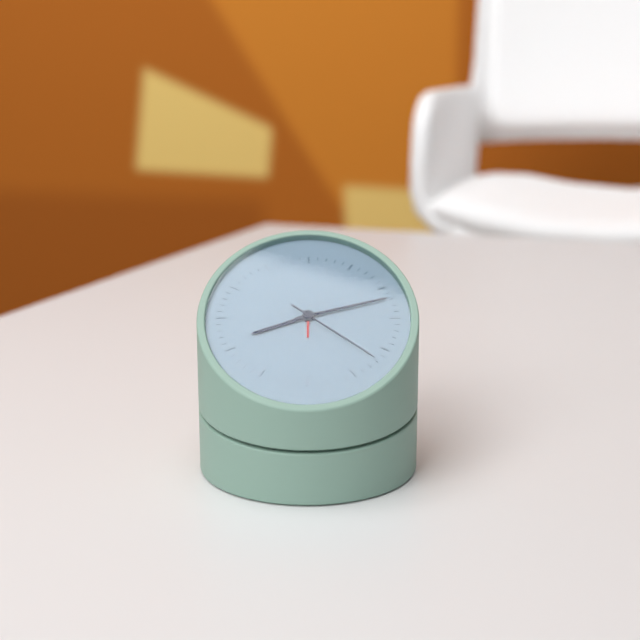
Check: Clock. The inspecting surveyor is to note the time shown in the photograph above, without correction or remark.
8:12:22
